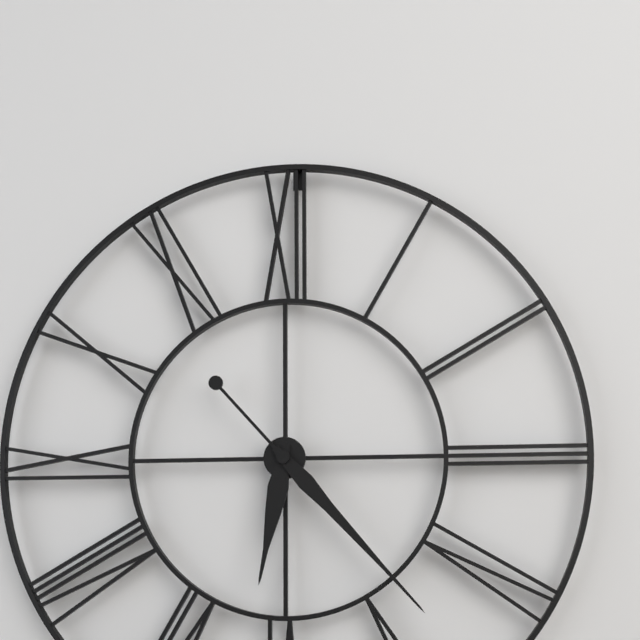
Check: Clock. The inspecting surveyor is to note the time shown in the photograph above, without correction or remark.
6:23
